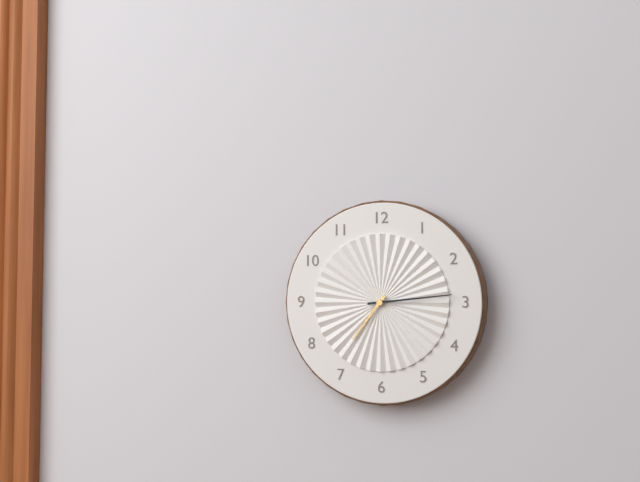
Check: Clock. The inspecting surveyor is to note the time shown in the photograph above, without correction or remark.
7:14
